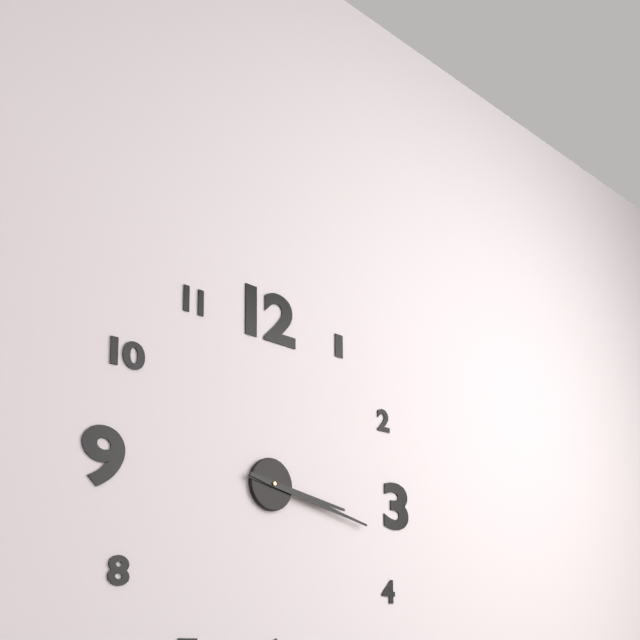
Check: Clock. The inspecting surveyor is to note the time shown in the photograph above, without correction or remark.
3:17
